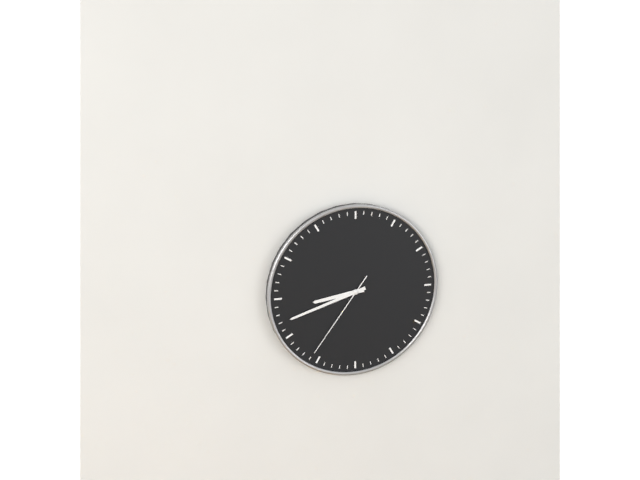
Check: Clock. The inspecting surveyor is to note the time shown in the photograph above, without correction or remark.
8:42:36
